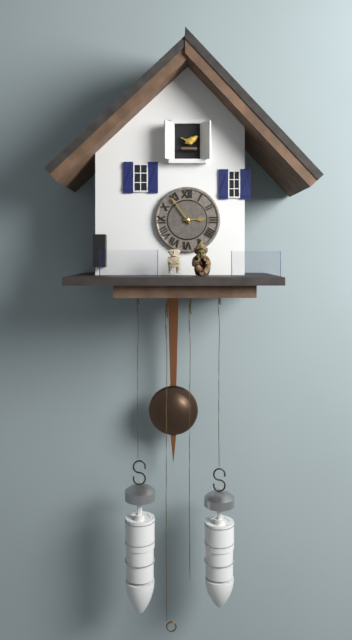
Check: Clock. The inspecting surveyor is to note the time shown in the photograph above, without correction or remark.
2:54
